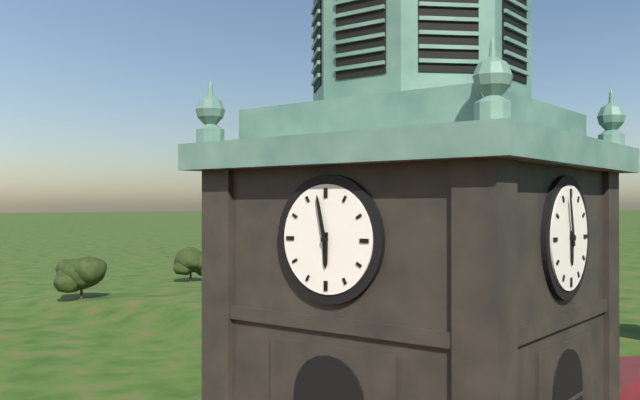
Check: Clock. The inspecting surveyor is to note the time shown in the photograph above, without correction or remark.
5:58
